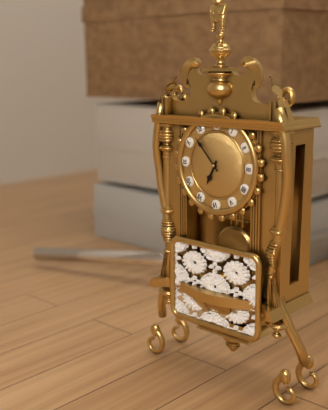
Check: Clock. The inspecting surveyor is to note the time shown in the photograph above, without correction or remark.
6:53
